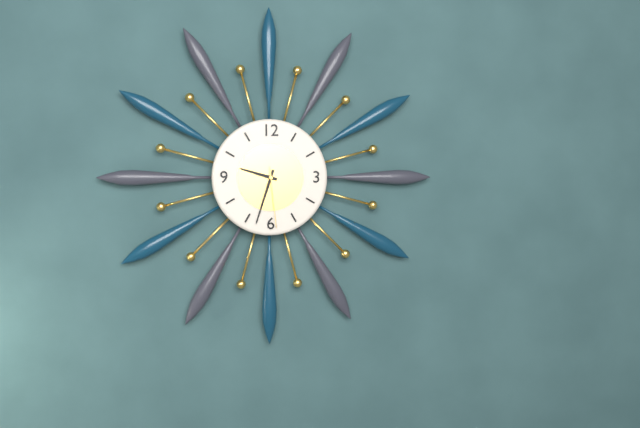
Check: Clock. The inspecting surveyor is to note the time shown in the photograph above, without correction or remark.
9:33:29
